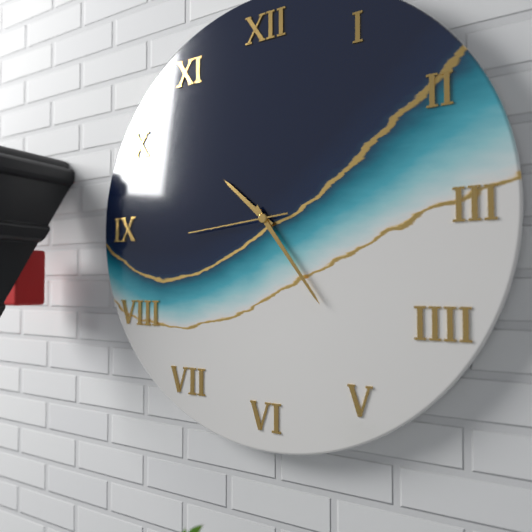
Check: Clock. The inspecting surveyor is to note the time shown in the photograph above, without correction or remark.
10:24:44
